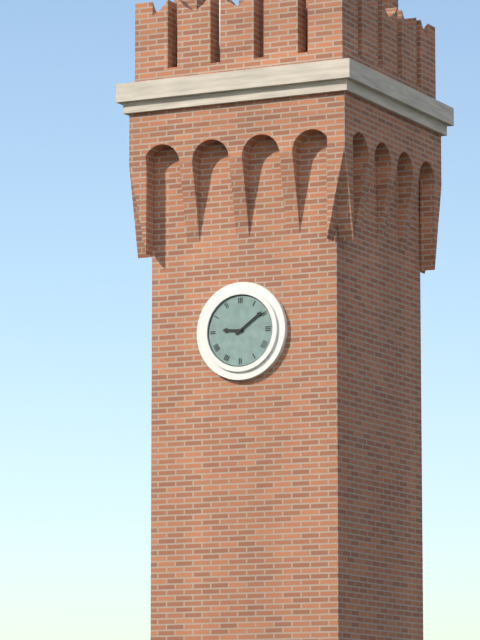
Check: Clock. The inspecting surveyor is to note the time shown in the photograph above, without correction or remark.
9:09
